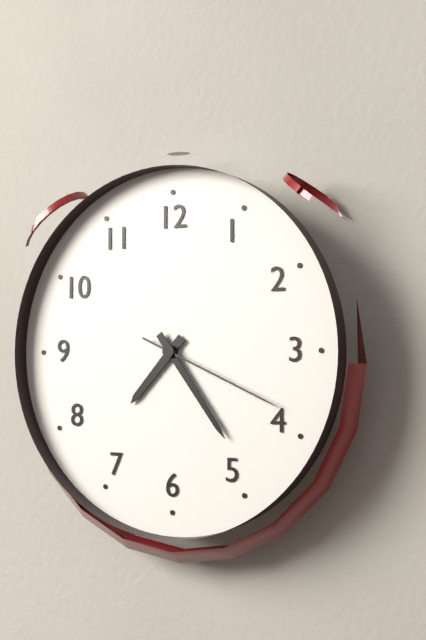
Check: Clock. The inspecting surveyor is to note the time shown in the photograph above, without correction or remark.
7:24:19
